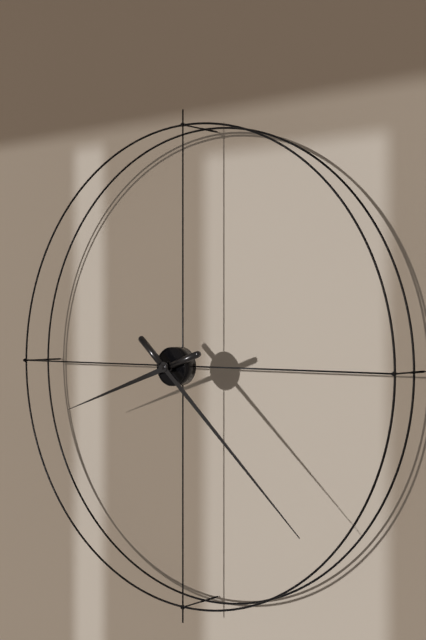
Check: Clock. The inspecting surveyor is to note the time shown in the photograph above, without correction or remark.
8:22
